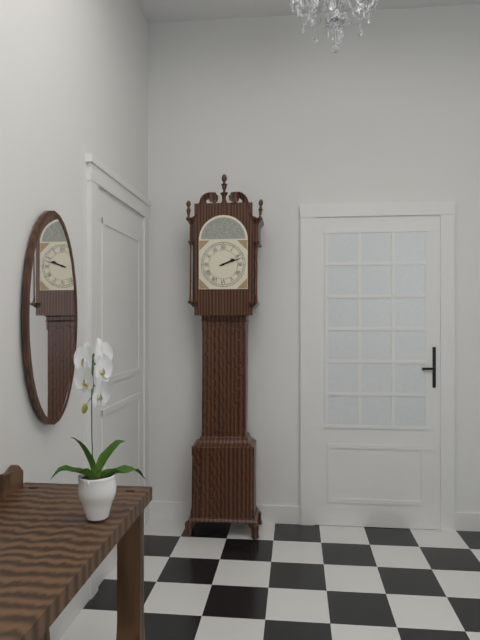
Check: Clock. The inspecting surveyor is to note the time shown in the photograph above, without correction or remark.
2:12
